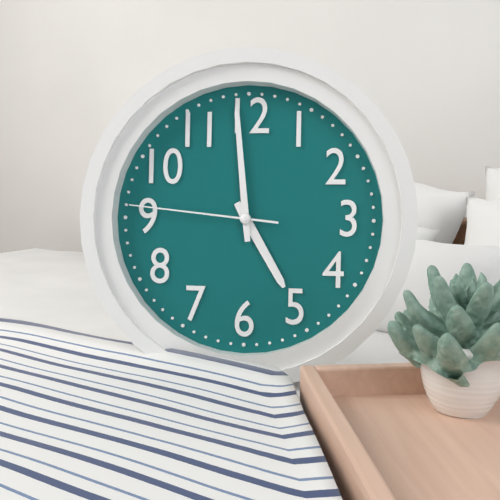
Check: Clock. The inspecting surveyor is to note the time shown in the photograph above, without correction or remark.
4:59:46
